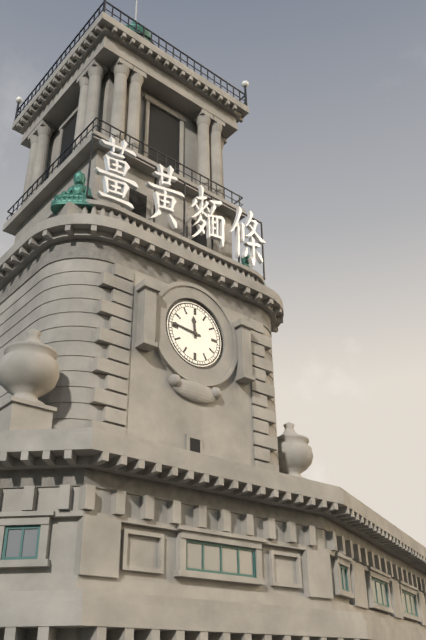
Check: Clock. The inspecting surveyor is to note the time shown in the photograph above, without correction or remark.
11:46
